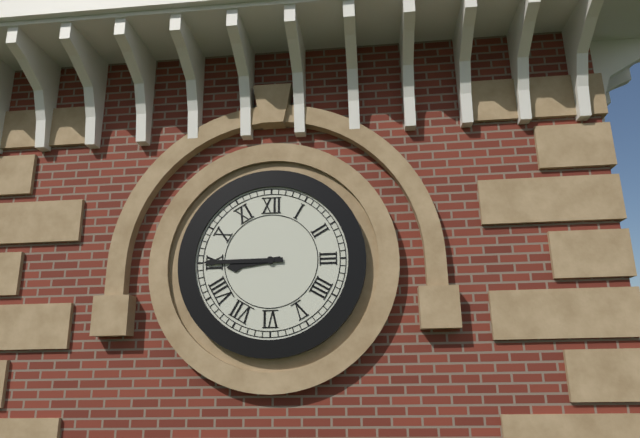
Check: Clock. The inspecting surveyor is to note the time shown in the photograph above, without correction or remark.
8:45
